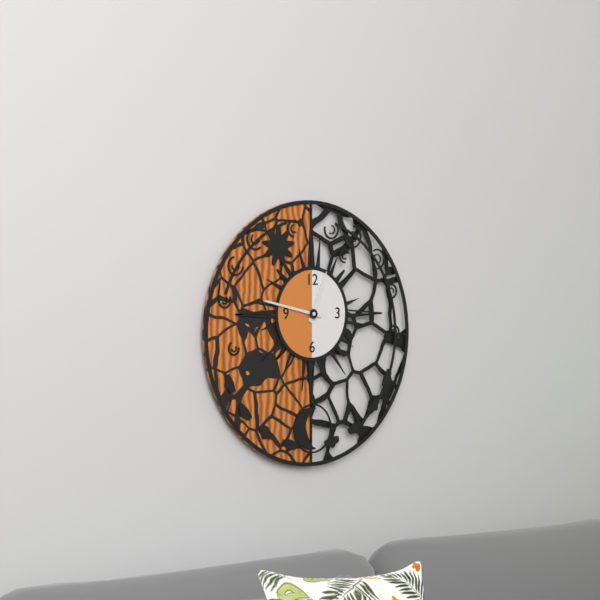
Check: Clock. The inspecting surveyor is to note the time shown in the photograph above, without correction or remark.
12:47
